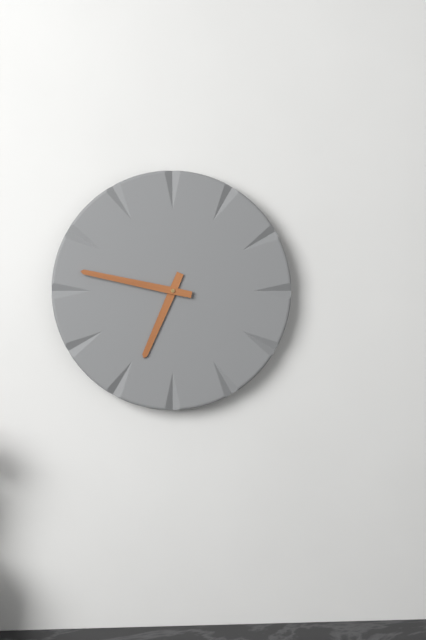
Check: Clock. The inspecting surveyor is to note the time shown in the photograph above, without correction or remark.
6:47
